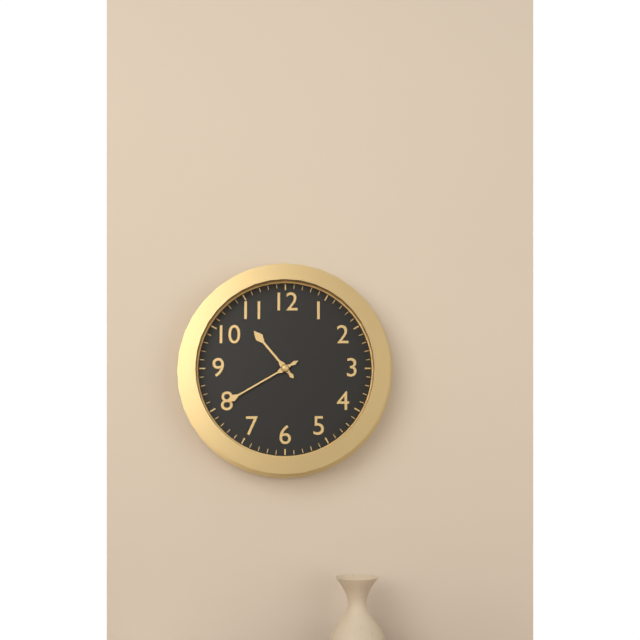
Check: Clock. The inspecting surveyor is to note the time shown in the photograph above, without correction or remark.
10:40
